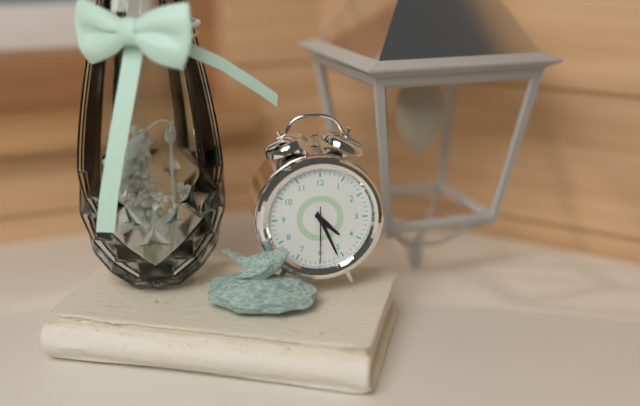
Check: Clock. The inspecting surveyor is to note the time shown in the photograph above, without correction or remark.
4:26:30
